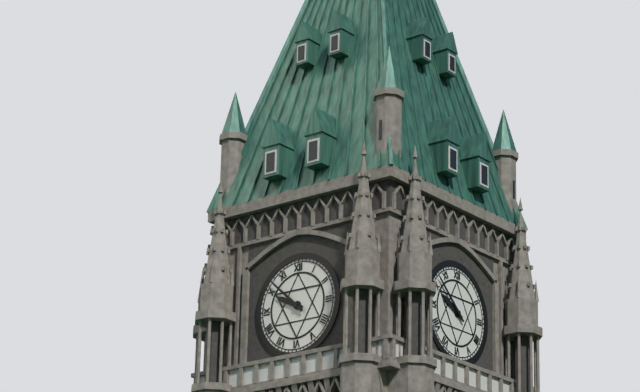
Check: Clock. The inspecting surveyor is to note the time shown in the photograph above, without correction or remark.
9:52
